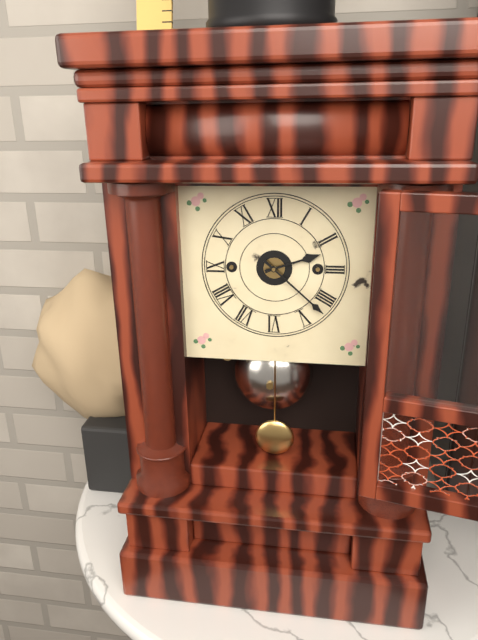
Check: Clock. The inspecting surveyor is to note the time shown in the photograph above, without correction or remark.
2:22
